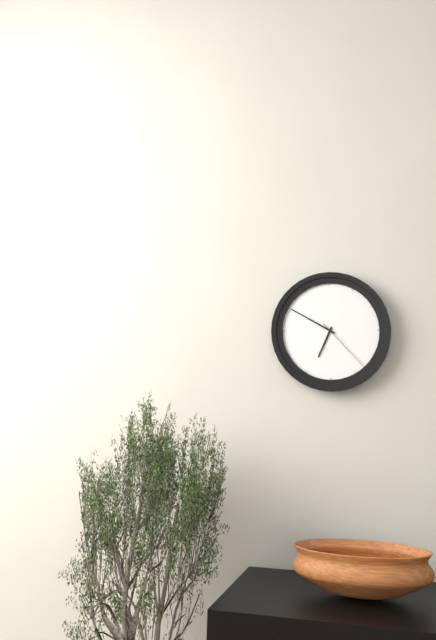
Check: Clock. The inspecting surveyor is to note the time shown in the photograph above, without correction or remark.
6:50:23
